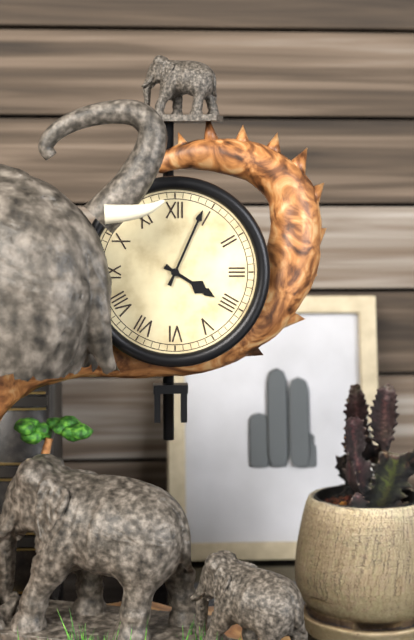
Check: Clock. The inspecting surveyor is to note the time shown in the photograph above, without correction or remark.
4:04
